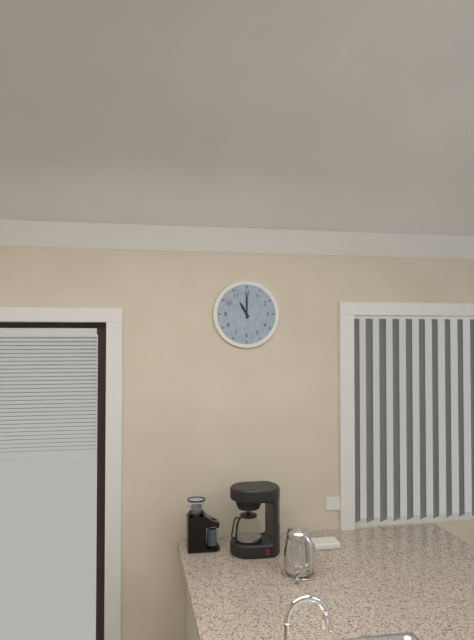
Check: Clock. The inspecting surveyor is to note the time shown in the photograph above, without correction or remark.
11:00
